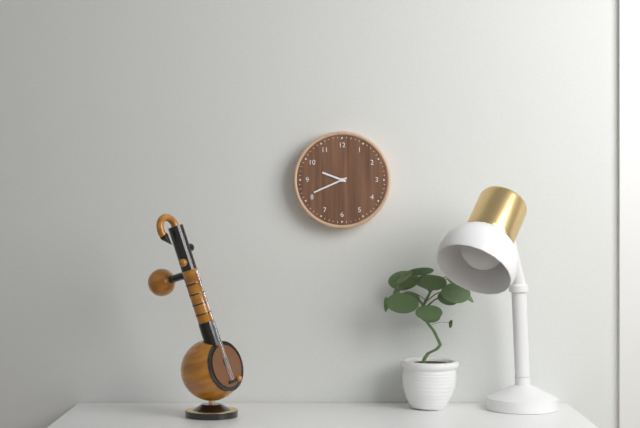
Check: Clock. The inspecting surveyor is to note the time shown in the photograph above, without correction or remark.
9:41
